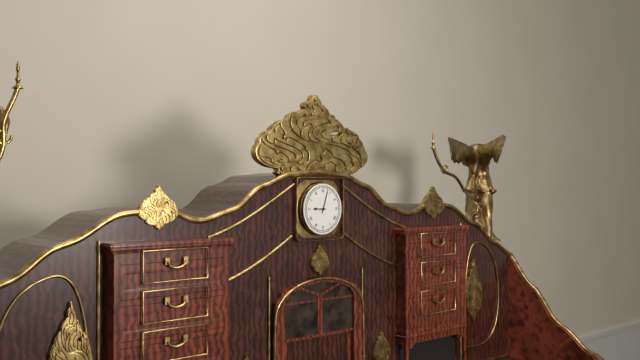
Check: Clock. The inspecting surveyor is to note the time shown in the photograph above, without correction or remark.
9:03
